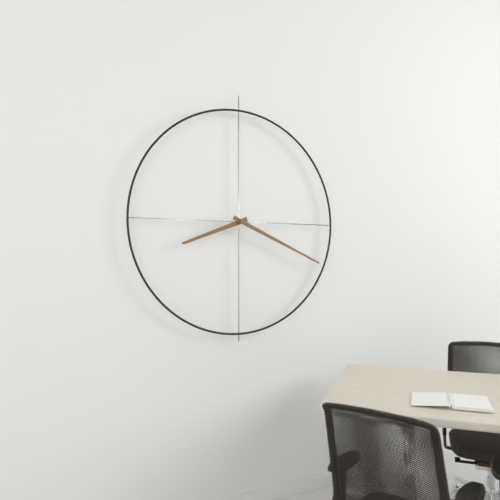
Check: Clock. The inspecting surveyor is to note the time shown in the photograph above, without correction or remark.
8:19
